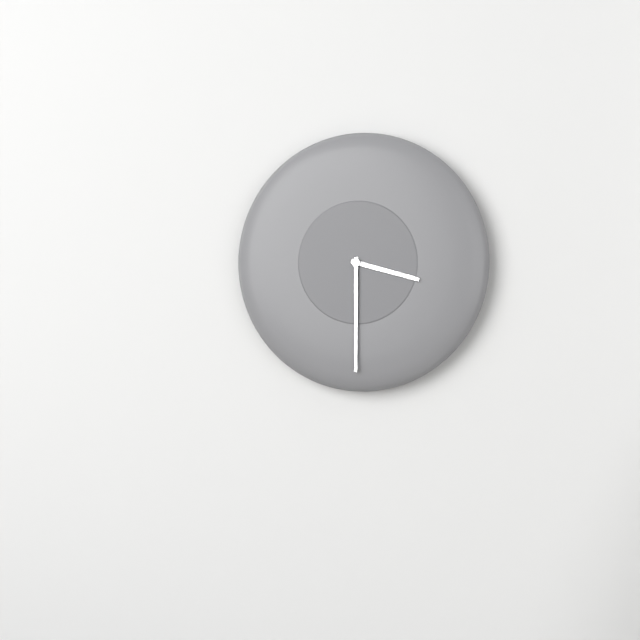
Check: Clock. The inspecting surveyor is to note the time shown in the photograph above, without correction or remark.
3:30
